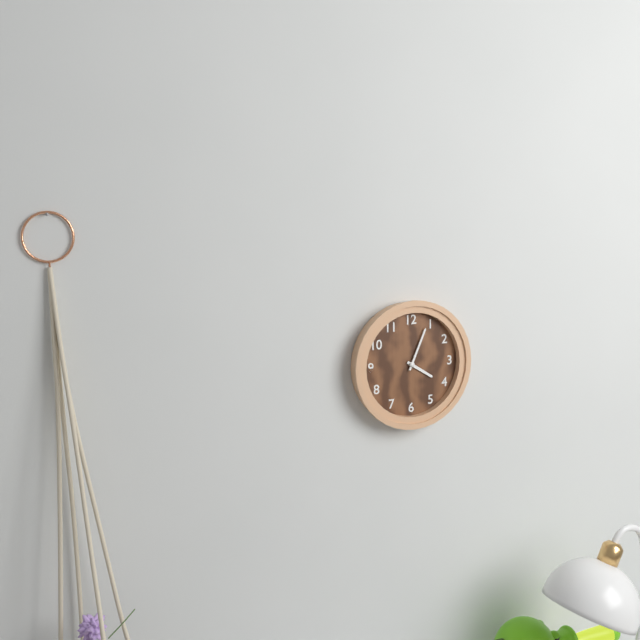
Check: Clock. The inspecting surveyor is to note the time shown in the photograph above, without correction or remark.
4:04
